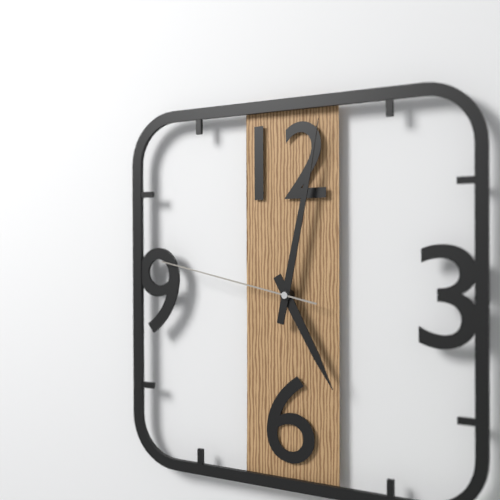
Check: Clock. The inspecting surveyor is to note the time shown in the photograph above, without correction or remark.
5:02:47
